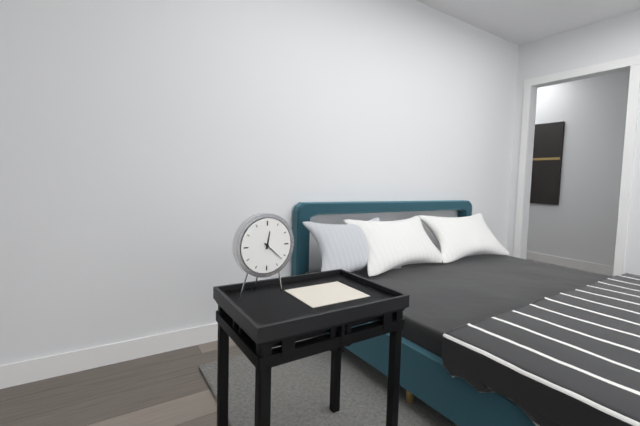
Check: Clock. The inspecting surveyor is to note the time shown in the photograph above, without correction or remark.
12:22
